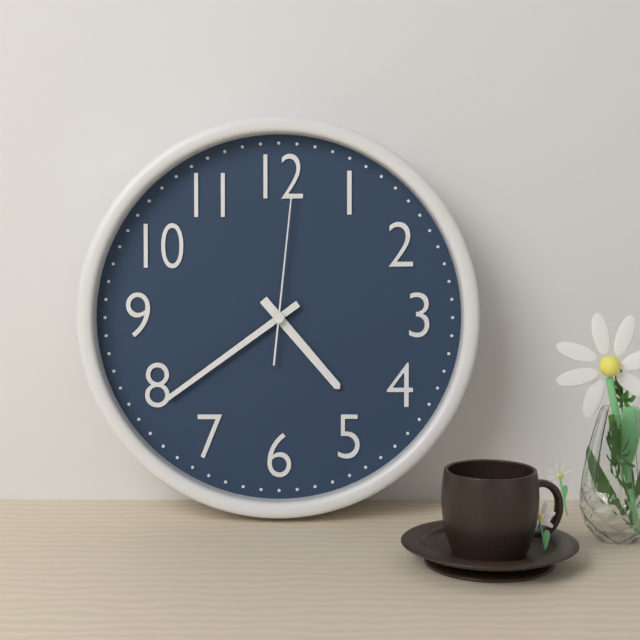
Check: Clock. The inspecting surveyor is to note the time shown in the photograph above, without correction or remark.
4:39:01
